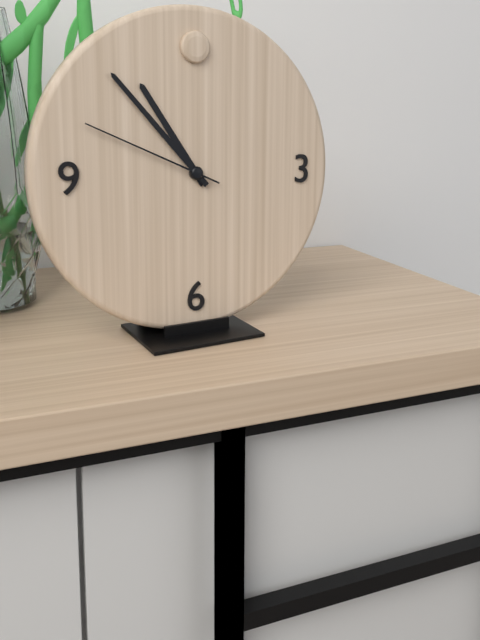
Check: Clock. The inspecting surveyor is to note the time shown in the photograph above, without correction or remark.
10:53:49
